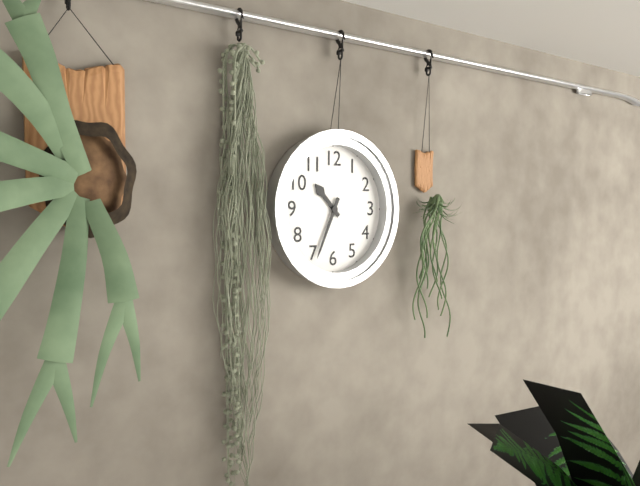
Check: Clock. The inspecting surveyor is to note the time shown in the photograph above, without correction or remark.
10:34
